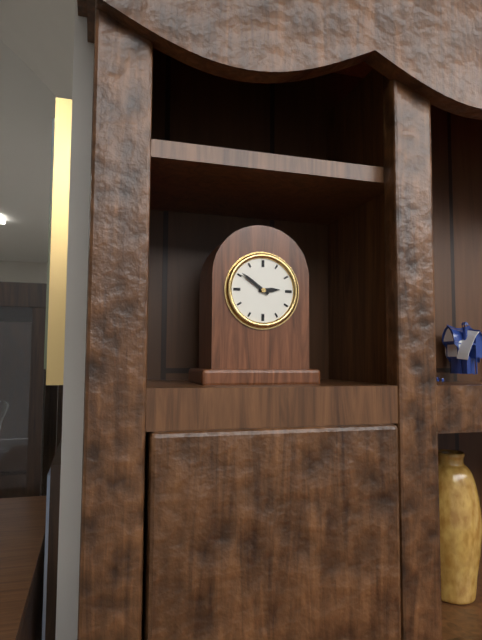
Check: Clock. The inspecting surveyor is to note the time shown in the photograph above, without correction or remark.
2:51
